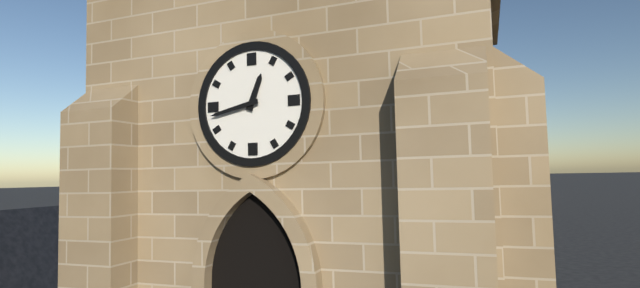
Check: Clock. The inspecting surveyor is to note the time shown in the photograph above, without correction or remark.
12:43
